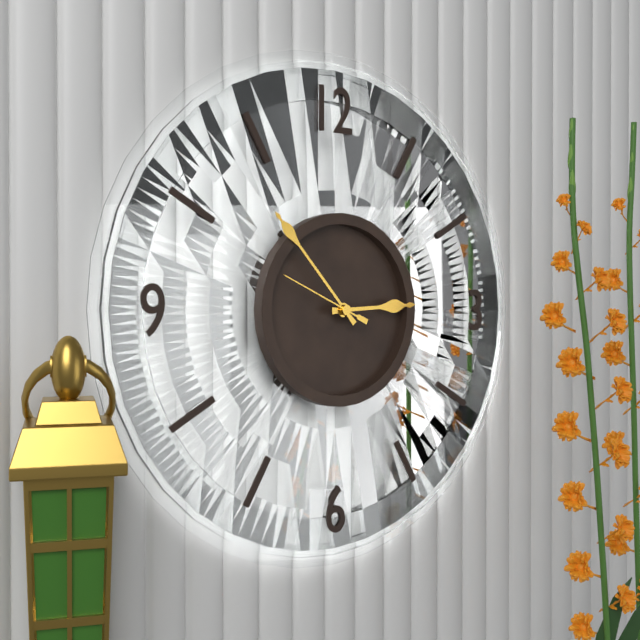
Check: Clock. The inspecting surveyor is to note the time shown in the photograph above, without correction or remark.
2:53:49
